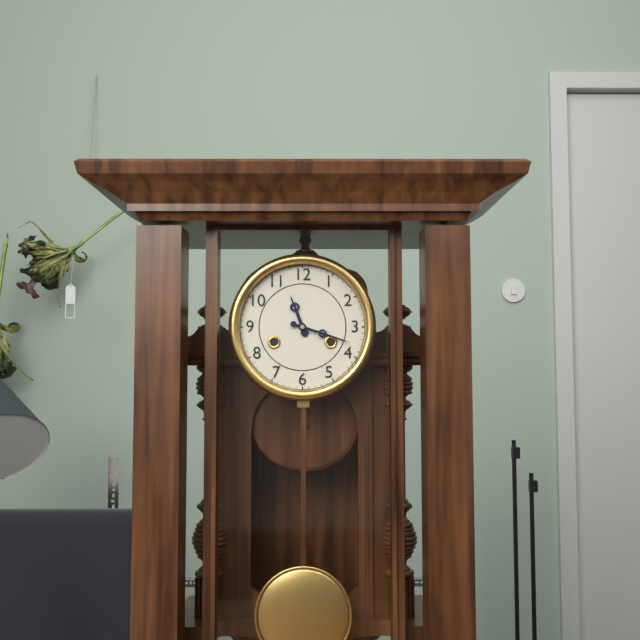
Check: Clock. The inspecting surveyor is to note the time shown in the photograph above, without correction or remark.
11:18
